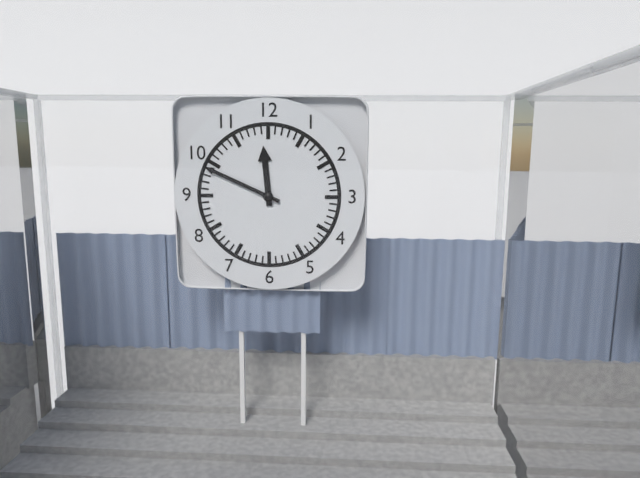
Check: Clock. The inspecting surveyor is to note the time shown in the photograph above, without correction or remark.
11:49
